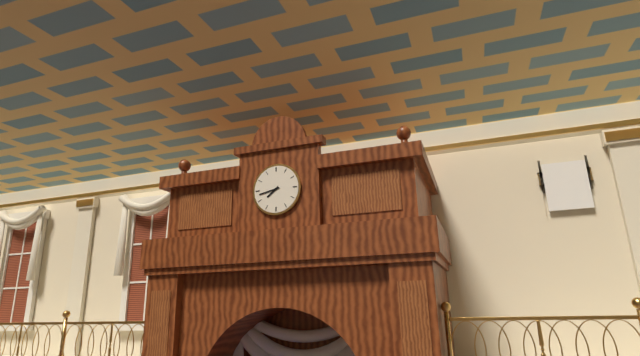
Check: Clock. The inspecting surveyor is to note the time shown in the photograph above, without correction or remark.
7:43
